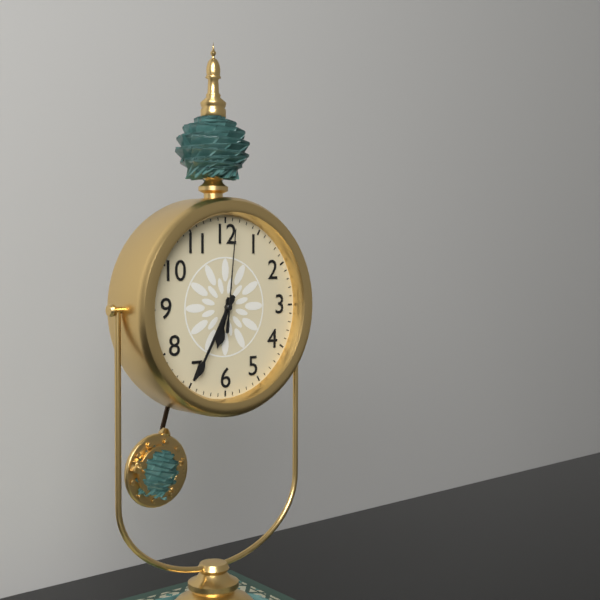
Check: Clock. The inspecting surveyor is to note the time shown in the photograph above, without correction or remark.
6:35:01
